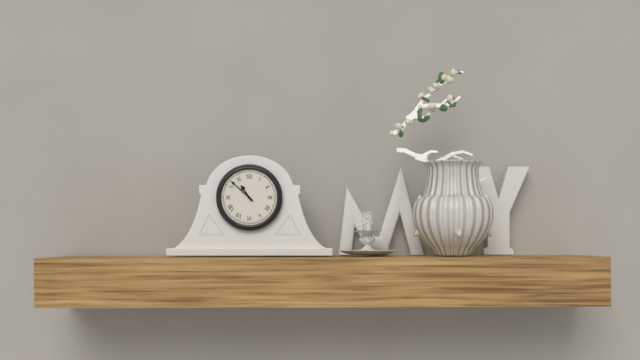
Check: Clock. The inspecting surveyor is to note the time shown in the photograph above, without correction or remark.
10:52
